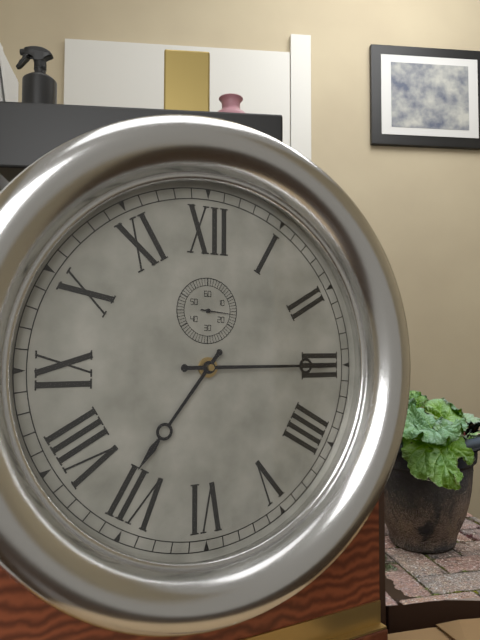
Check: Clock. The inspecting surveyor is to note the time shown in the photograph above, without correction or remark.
7:15
